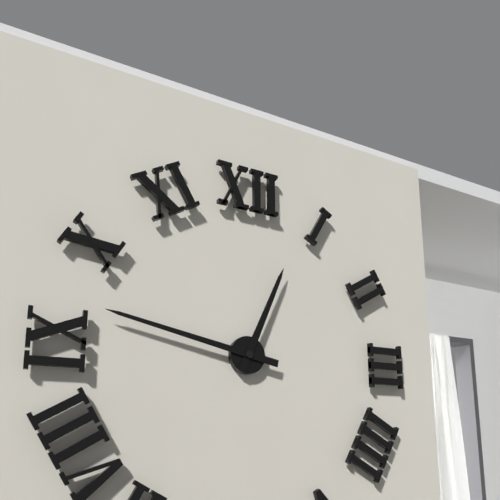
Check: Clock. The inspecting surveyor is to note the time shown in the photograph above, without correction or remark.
12:47
